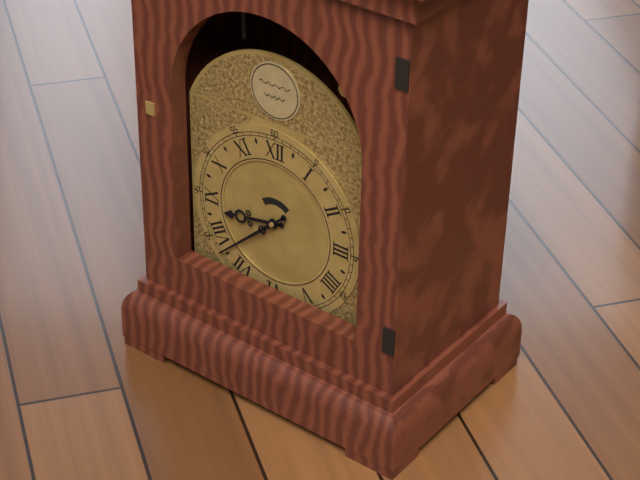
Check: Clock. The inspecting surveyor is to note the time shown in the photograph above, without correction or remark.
8:38
